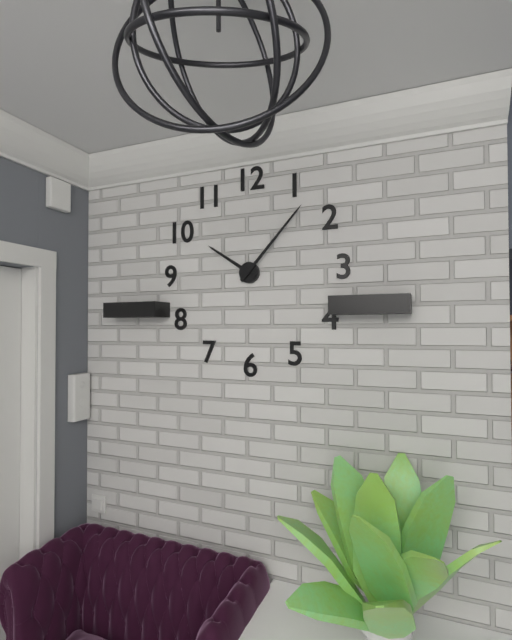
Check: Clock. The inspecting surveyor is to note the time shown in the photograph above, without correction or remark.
10:07
